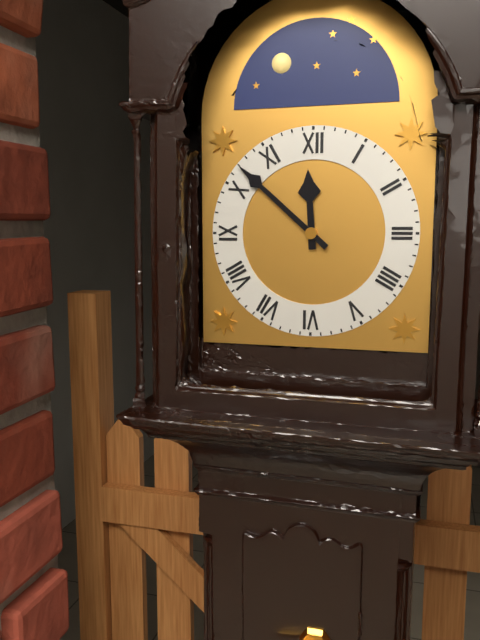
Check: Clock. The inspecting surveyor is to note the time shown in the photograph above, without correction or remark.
11:52
